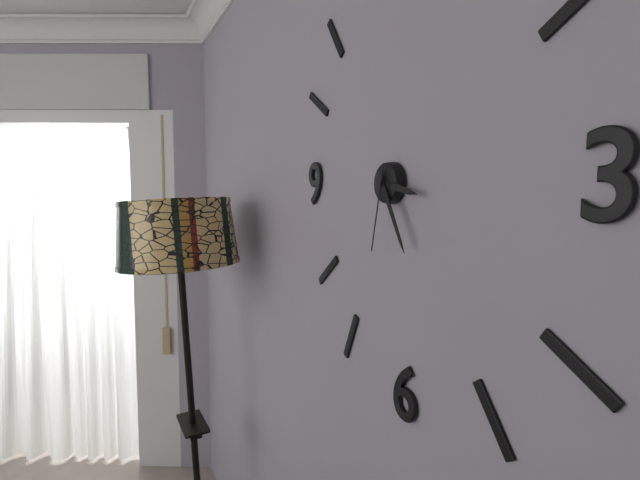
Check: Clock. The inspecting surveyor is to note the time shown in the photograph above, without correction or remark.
3:25:32
